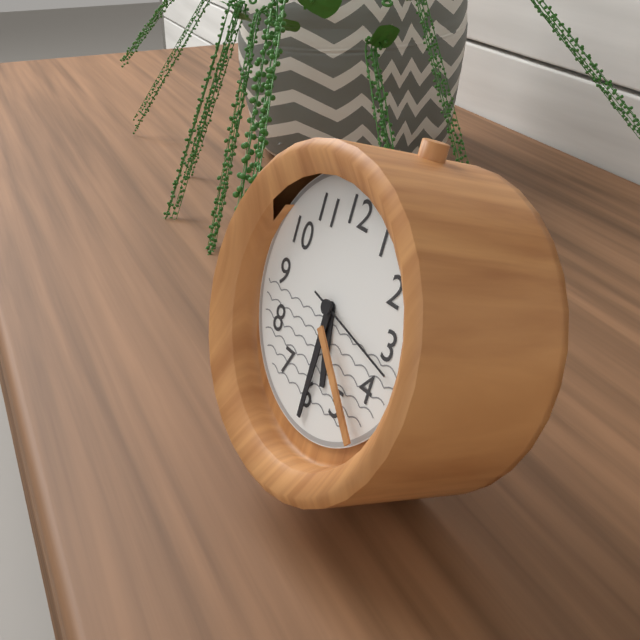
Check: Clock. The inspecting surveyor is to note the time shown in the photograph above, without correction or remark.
5:30:17
